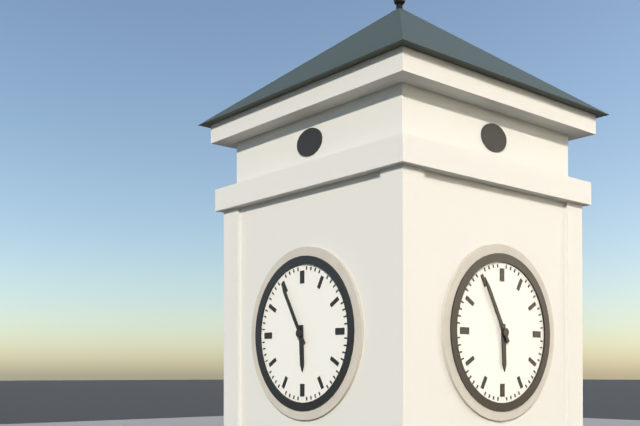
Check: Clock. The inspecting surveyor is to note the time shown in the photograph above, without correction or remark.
5:55
